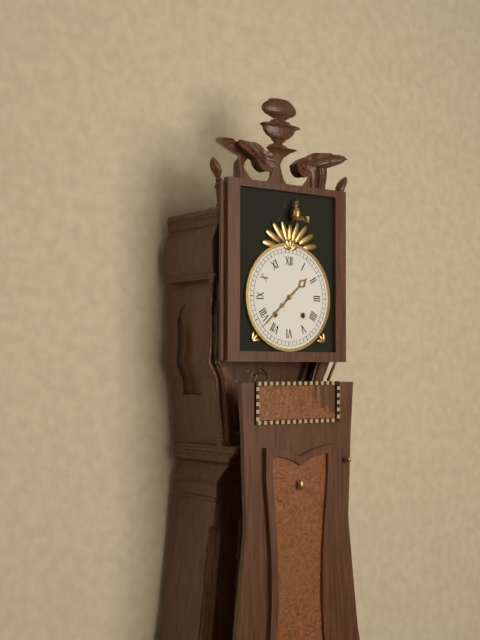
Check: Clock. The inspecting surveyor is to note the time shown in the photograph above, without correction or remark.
1:38
